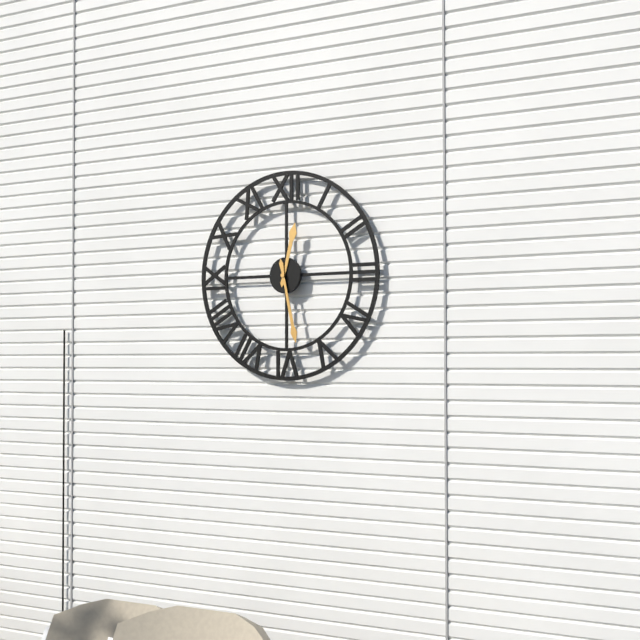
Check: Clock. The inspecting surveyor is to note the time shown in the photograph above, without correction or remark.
12:28
